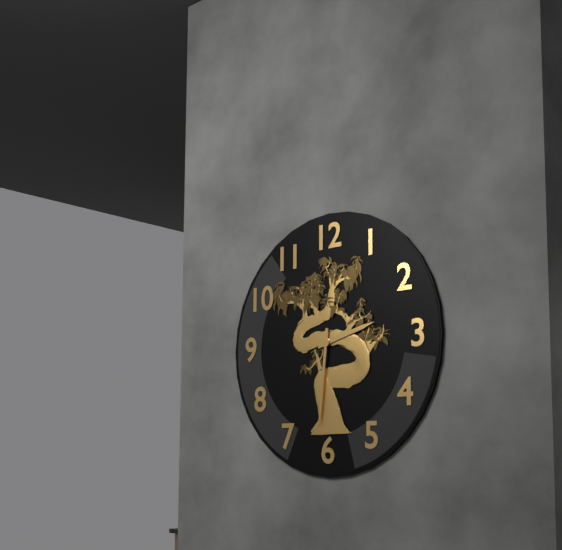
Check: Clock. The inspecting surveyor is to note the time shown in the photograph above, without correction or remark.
2:31
